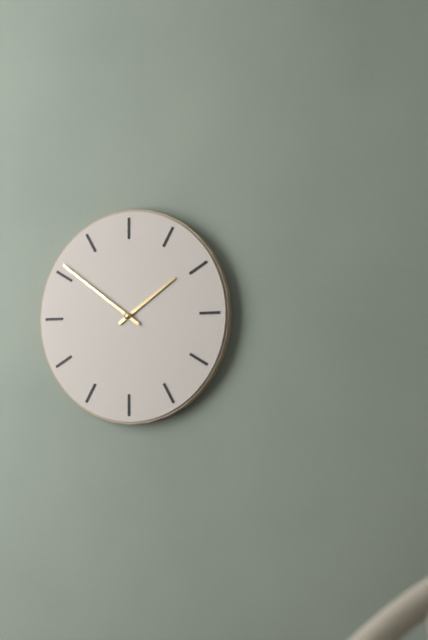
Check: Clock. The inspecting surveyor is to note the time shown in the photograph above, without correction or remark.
1:51
